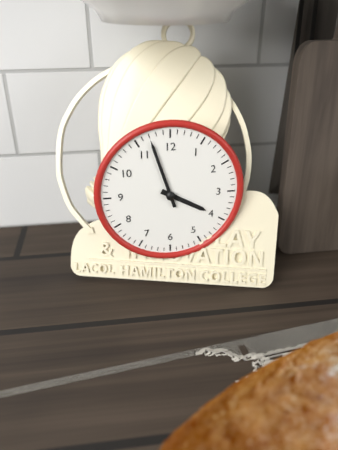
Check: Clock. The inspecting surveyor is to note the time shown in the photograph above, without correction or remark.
3:57
